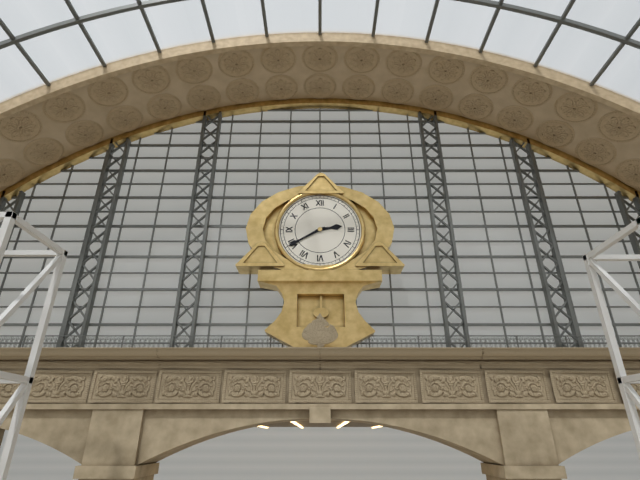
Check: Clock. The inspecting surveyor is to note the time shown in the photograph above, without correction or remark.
2:40
